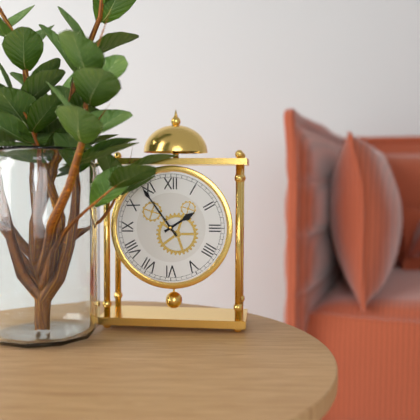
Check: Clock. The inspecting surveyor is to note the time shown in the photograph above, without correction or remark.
1:54
